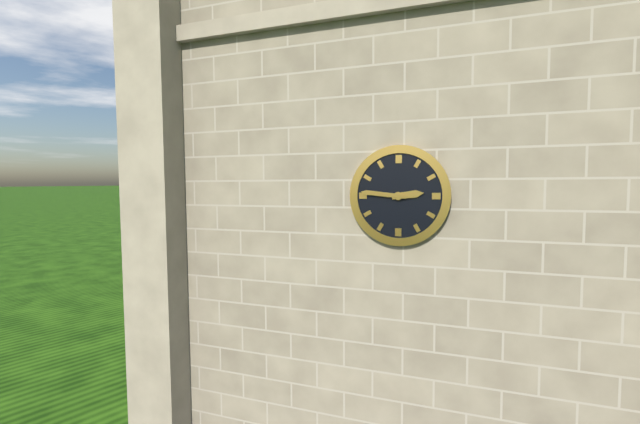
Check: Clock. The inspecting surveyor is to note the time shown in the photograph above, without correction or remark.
2:46
